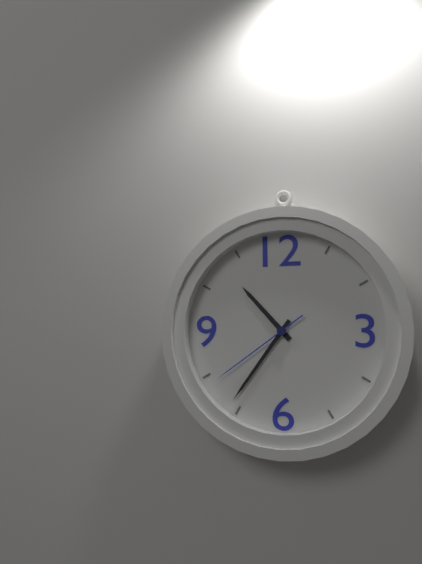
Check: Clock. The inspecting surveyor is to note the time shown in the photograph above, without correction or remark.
10:36:39
